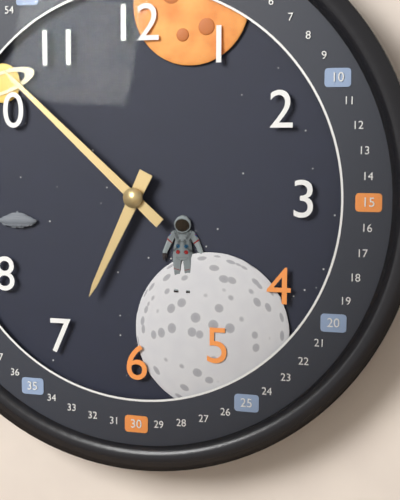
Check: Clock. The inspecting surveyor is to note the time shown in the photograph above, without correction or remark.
6:52
